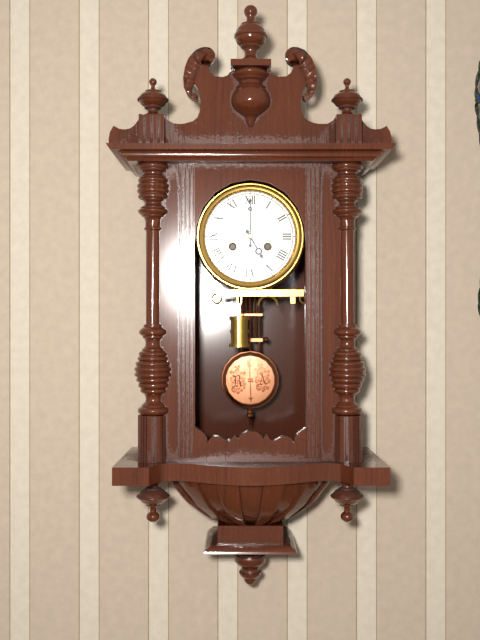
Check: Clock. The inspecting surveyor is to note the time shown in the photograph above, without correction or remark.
5:00
